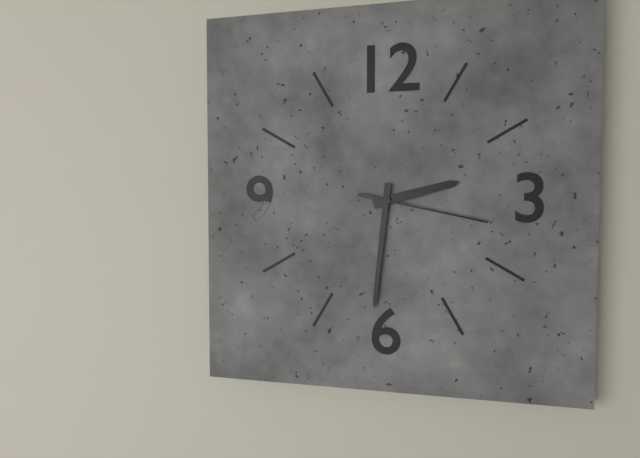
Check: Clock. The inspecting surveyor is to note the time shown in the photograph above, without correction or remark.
2:31:17
